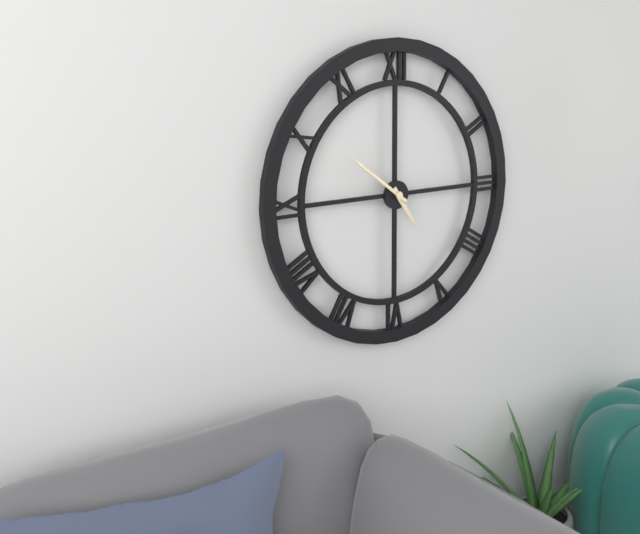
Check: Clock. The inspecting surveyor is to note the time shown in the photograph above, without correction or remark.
4:51
